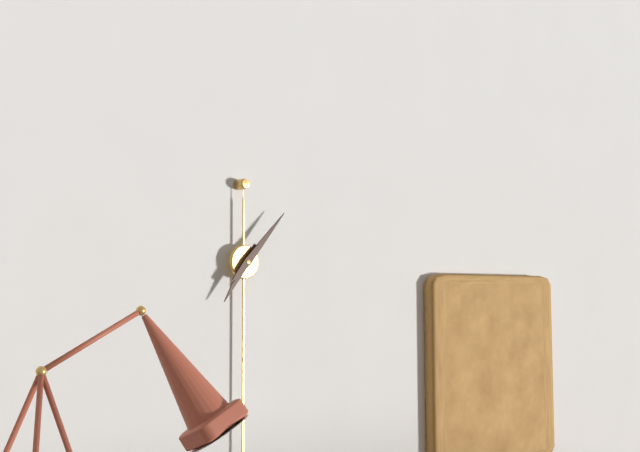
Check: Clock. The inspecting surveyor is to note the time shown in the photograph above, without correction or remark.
7:07
